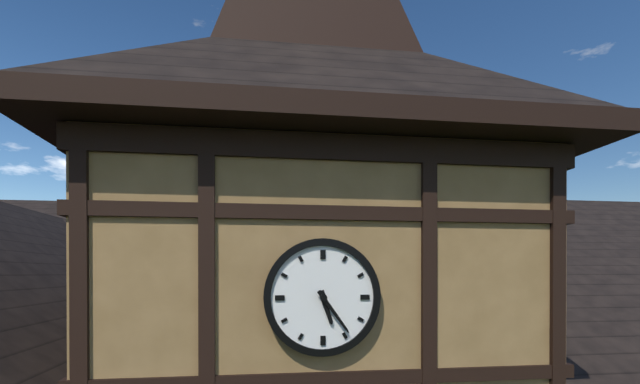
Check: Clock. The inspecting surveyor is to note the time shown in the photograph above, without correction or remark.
5:24
